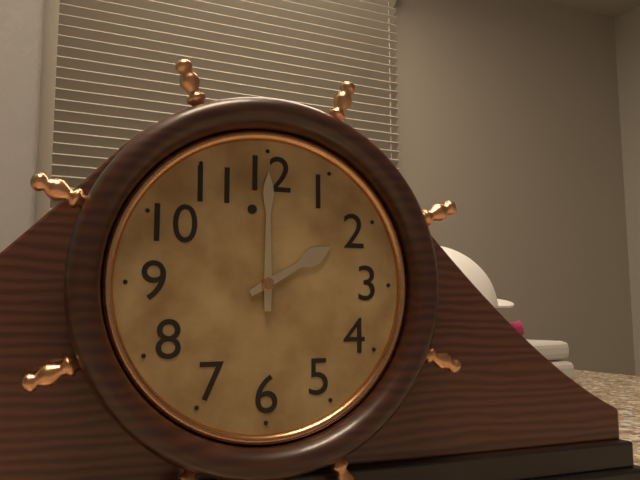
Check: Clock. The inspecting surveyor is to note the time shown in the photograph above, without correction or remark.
2:00
